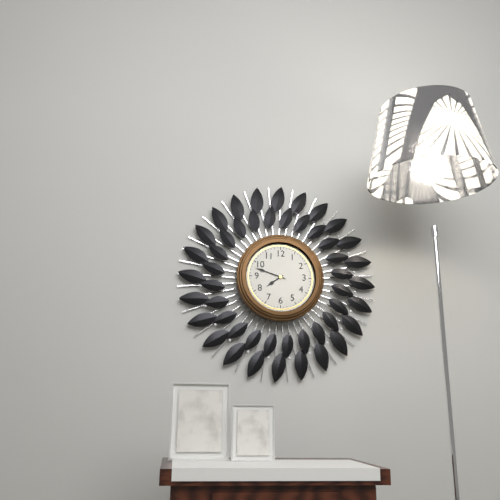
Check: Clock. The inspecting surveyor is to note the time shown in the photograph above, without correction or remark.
7:48
